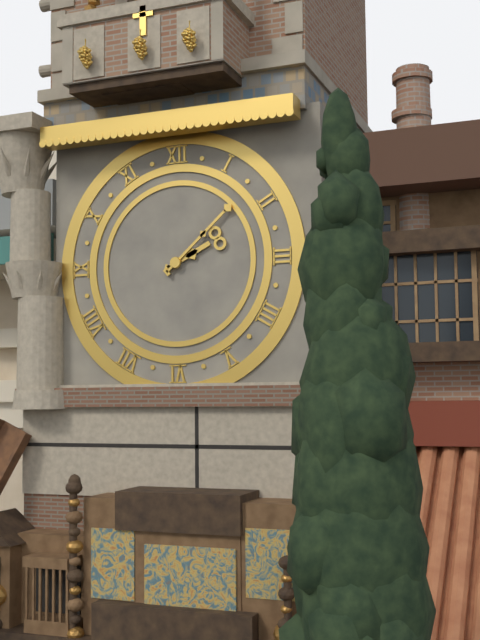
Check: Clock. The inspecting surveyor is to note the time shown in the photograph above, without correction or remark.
2:08
